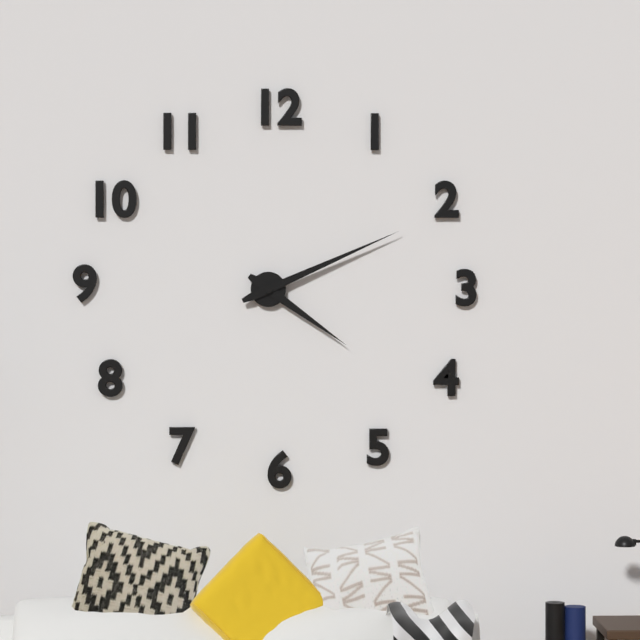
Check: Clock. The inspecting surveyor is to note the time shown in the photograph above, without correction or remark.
4:11
